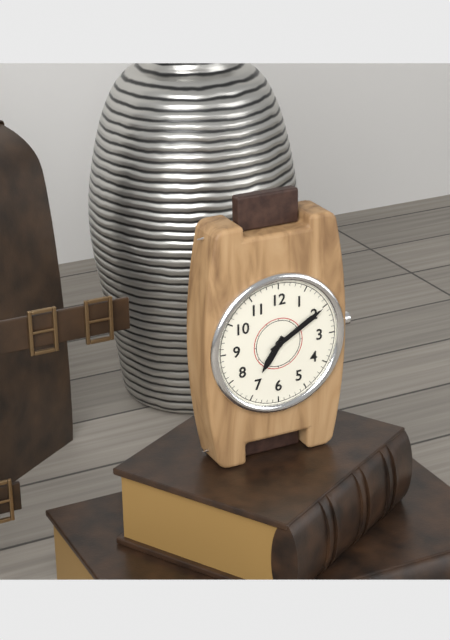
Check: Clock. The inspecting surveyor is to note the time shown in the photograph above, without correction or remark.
7:10
